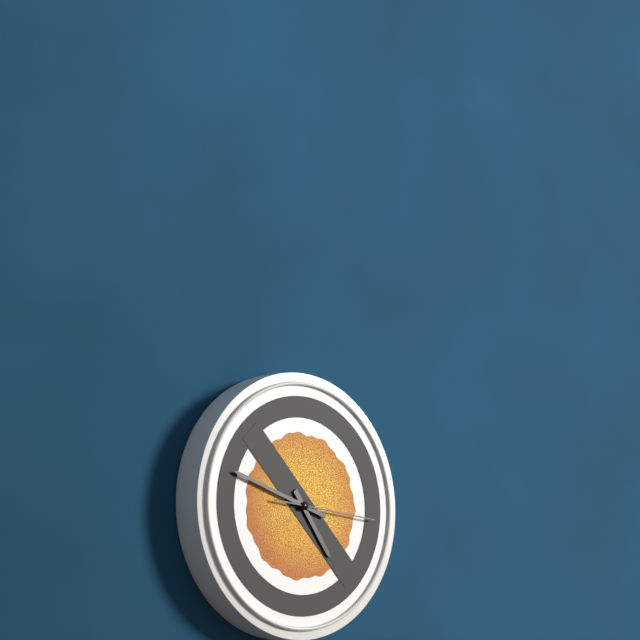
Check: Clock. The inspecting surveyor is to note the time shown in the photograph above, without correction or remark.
4:48:16
